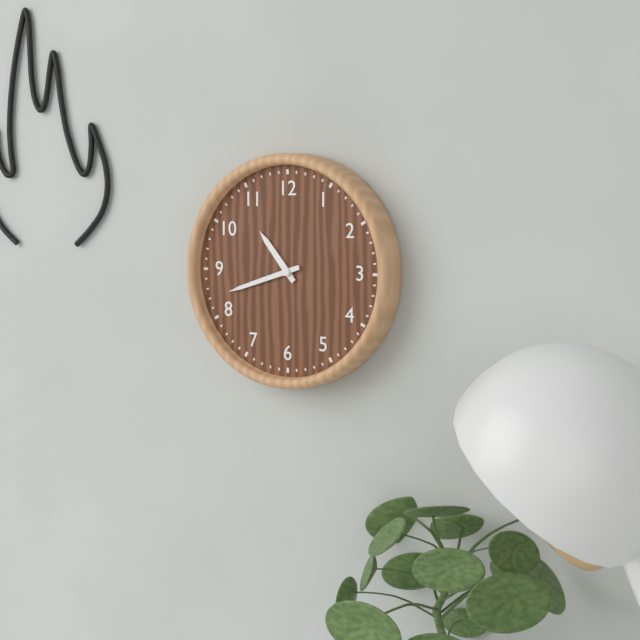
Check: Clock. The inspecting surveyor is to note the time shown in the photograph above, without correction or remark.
10:42
